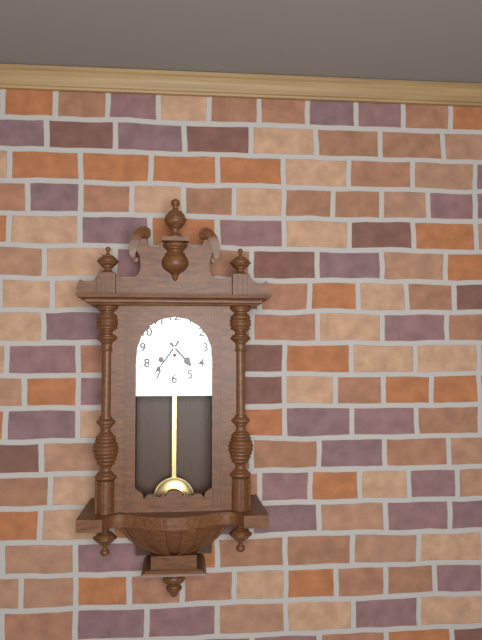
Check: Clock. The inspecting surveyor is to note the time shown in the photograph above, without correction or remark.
4:36
